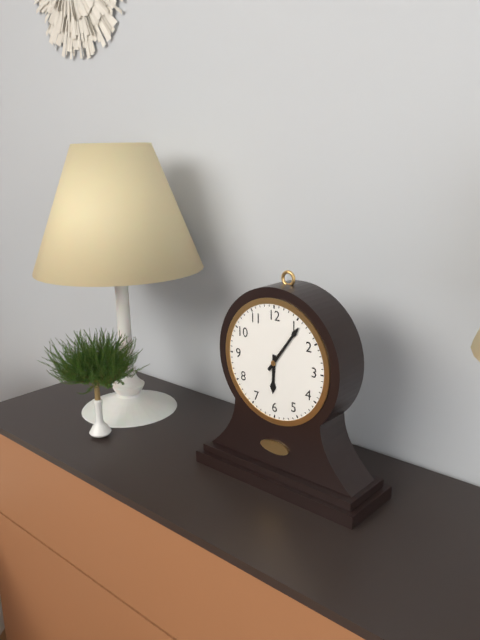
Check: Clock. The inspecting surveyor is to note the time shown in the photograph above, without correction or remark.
6:06
